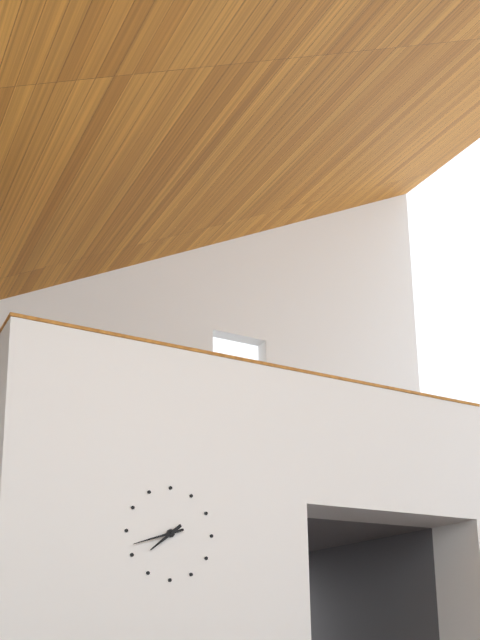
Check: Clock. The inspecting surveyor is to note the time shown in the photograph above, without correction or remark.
7:42
